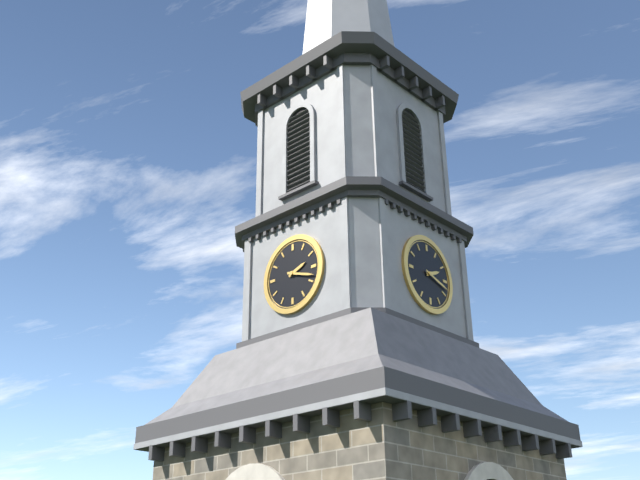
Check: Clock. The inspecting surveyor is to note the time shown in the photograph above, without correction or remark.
2:18
